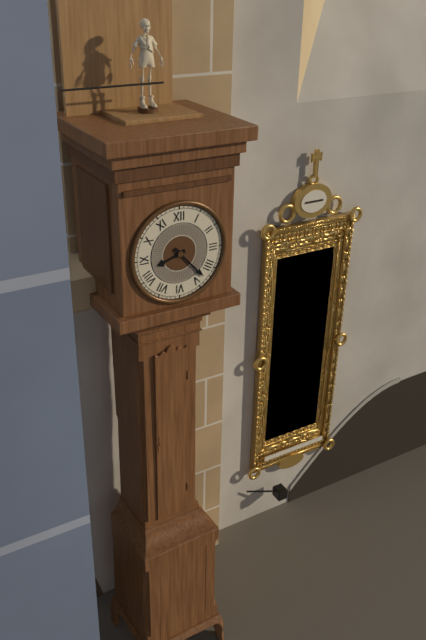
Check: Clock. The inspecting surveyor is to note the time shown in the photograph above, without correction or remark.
8:23
